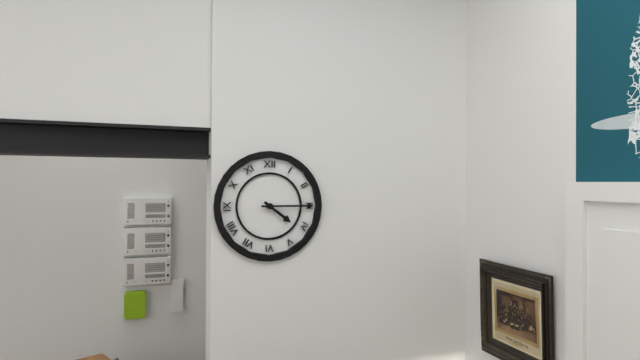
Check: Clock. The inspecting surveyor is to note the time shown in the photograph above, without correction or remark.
4:15
